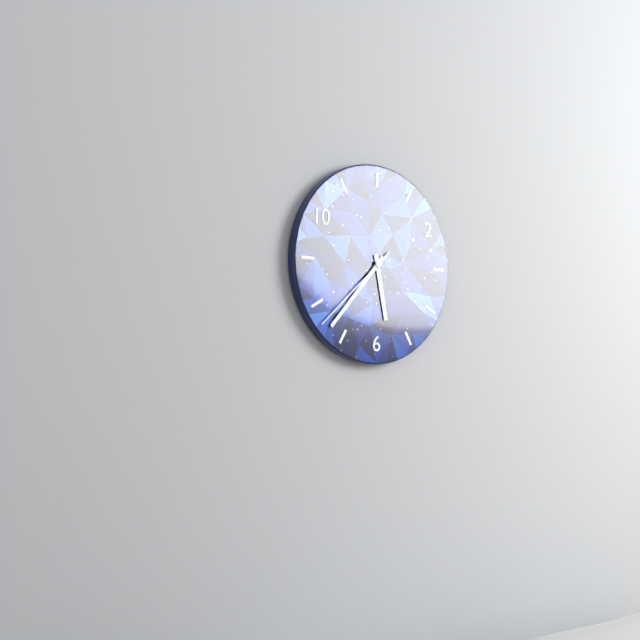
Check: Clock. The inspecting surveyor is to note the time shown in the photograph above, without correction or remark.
5:37:38
